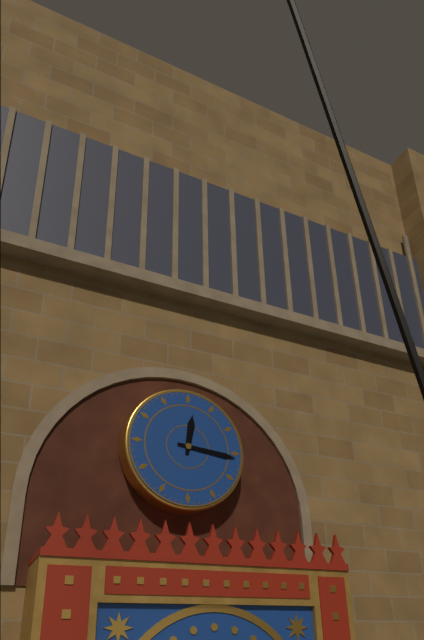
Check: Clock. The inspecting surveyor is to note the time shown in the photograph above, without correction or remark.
12:16
